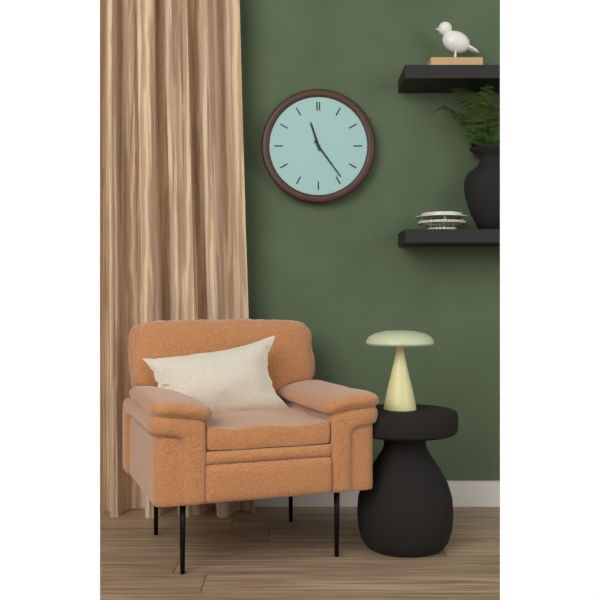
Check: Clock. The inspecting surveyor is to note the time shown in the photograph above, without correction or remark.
11:24
